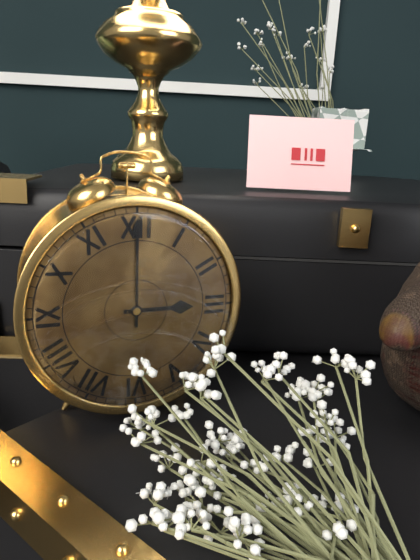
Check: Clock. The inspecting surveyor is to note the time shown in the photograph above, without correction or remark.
3:00
